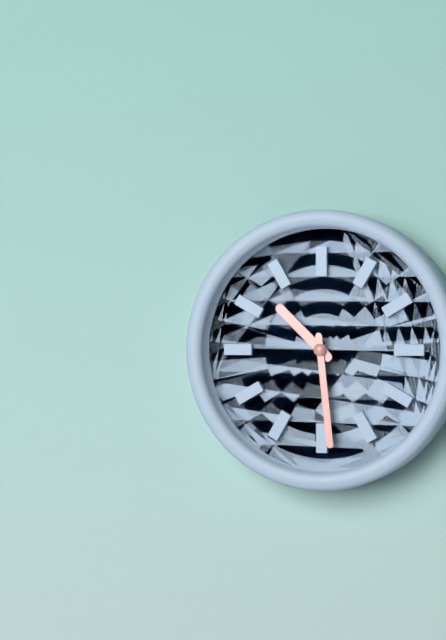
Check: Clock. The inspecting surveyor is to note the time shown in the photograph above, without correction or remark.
10:29
